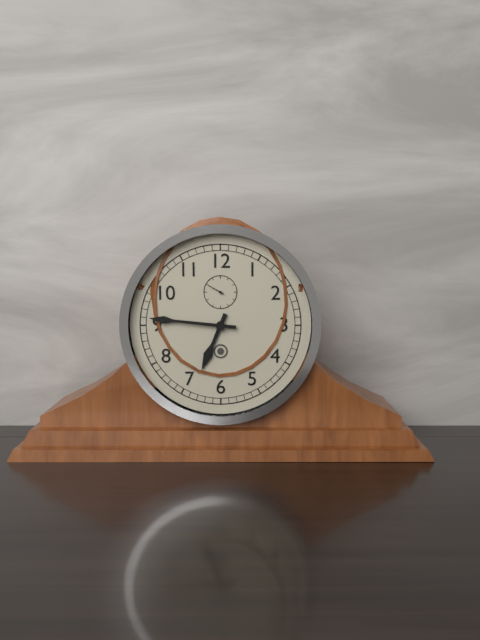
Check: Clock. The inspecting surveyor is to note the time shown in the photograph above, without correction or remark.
6:46
